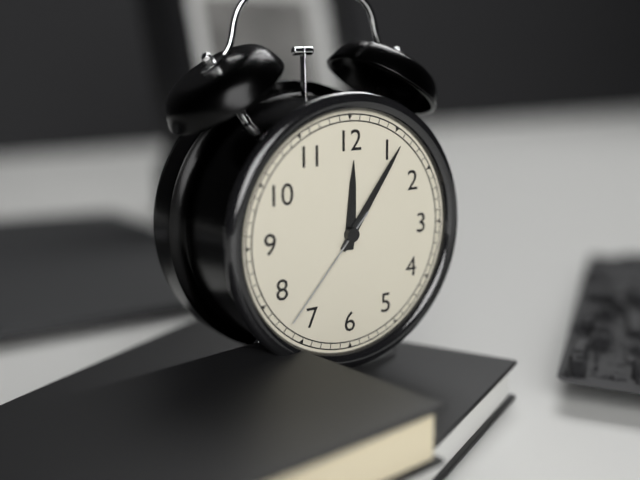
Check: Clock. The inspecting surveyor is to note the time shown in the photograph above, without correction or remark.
12:06:37
